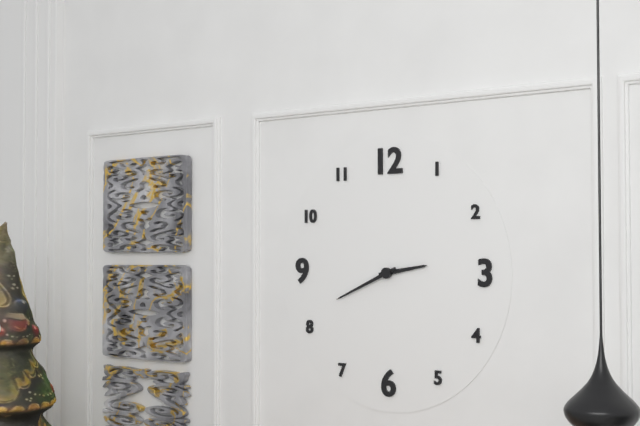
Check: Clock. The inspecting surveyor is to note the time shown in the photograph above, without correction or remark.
2:41
